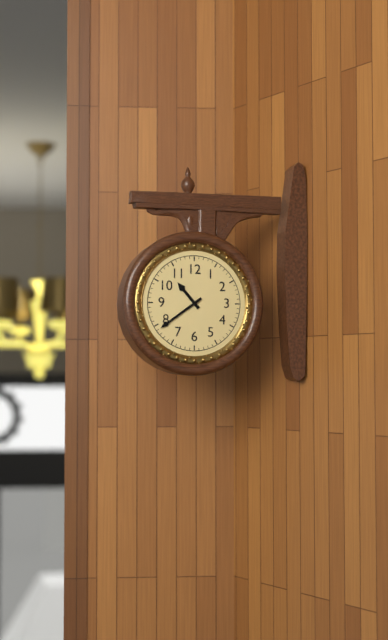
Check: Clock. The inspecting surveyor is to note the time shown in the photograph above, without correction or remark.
10:39
